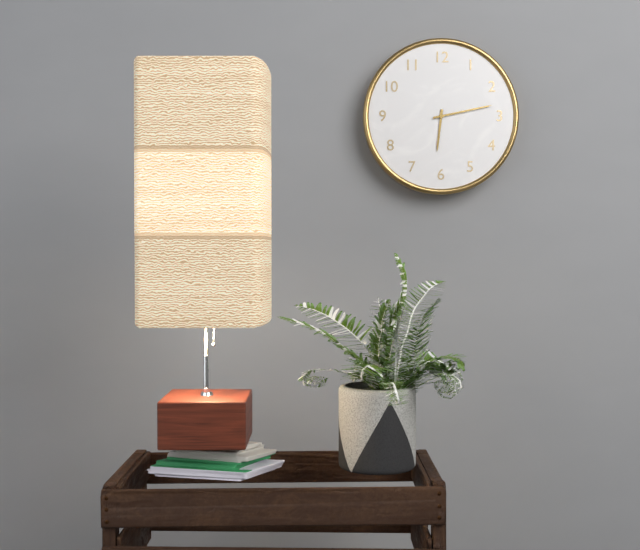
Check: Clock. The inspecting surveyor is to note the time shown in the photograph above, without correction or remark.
6:13
